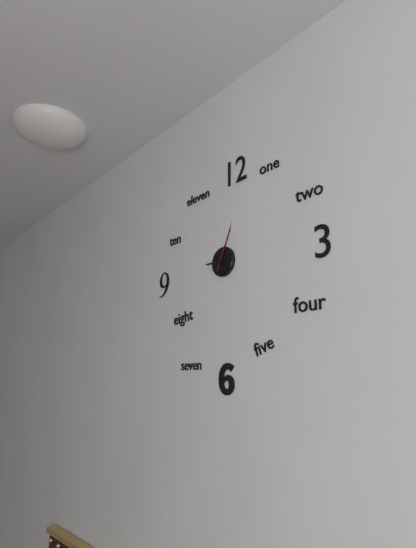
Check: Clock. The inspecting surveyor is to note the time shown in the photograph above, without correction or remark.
9:04:04
